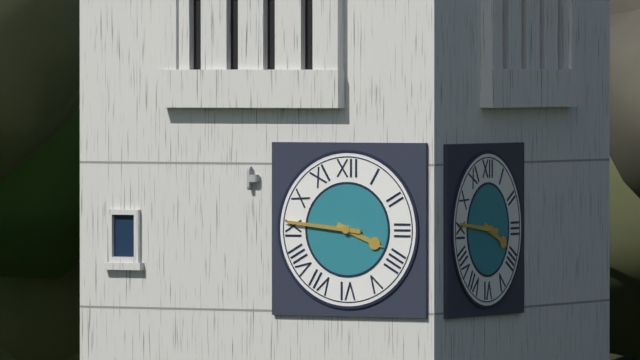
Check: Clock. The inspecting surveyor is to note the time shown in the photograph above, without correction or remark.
3:46
